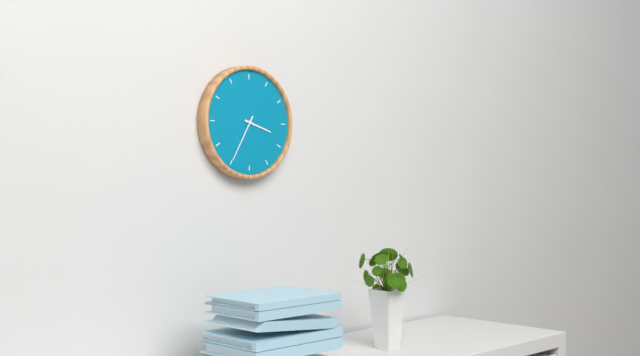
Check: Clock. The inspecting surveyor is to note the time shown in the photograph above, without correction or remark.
3:35
